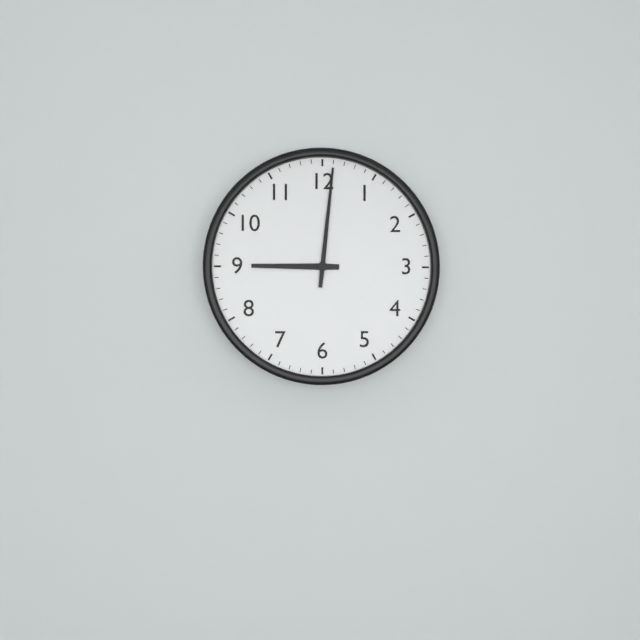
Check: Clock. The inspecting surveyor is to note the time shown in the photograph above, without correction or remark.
9:01
